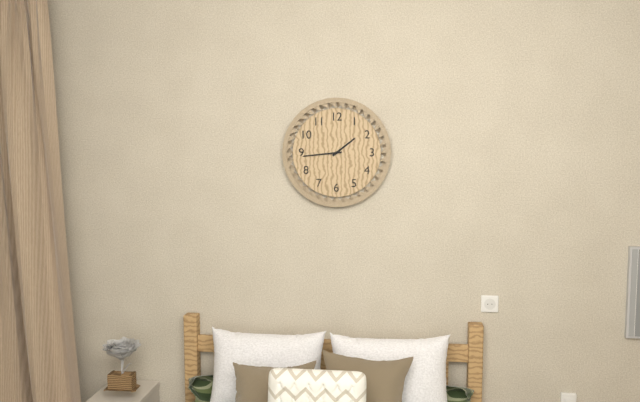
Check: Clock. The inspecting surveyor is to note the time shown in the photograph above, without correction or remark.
1:44
